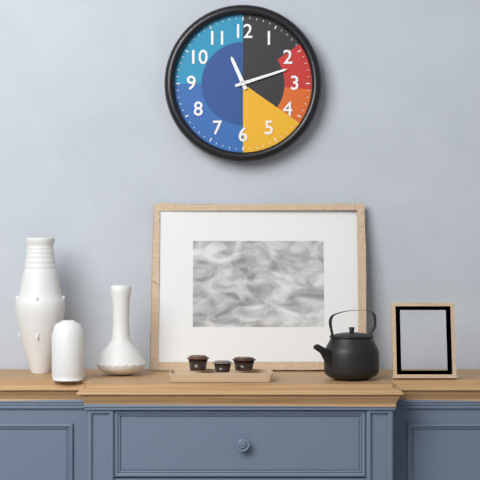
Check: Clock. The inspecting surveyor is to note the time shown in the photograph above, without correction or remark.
11:12
